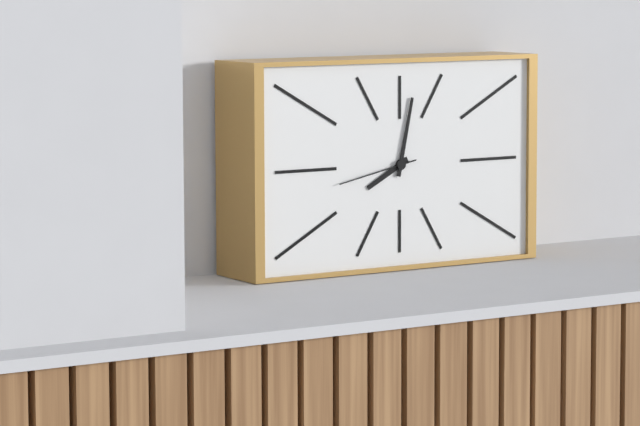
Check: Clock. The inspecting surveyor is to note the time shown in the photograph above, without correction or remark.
8:02:43
